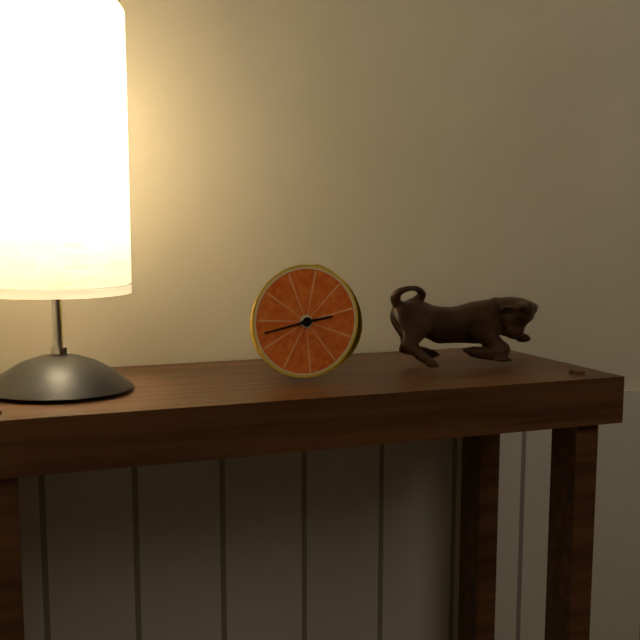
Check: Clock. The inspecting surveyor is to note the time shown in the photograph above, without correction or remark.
2:43
